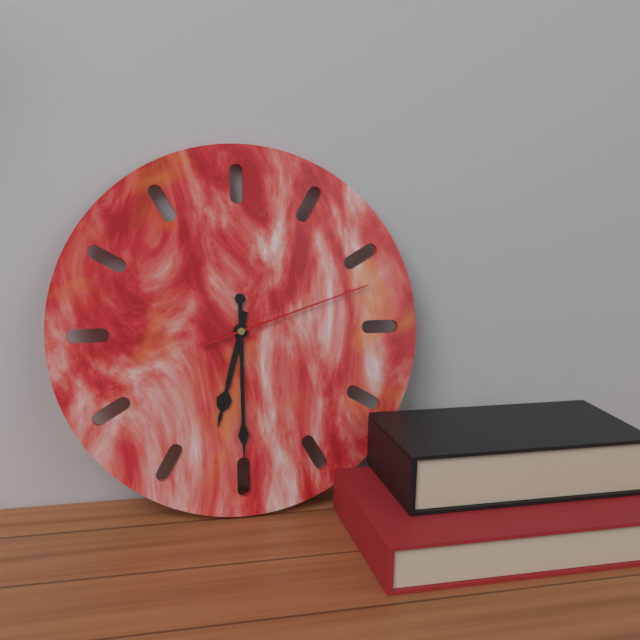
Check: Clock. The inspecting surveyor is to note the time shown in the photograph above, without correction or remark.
6:30:12
